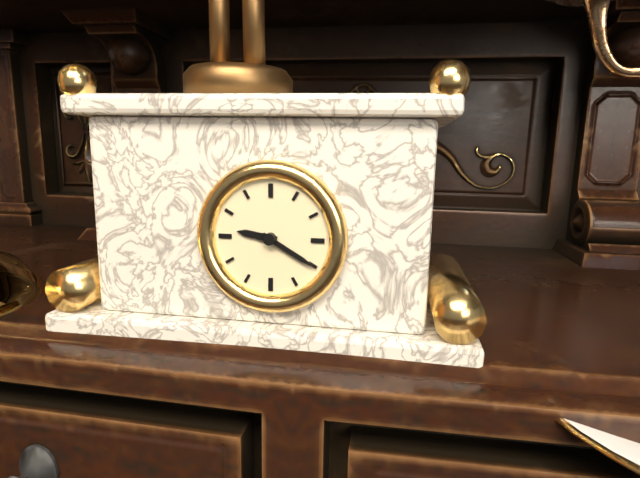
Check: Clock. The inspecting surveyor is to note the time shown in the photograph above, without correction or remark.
9:20
